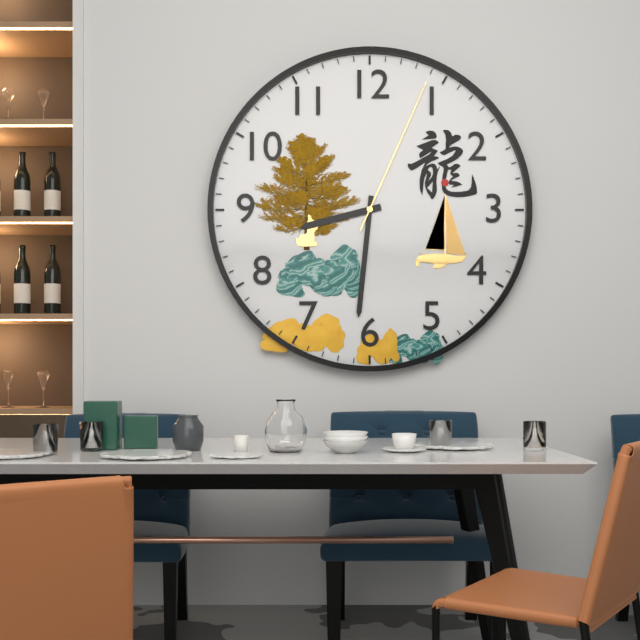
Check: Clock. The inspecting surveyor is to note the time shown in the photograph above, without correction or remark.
8:31:04
